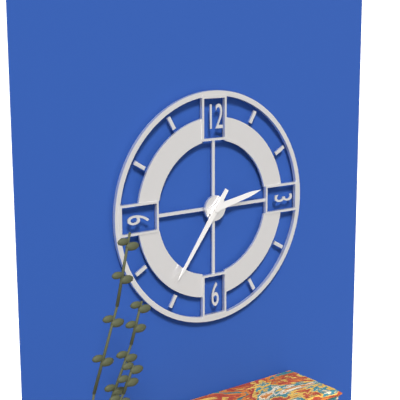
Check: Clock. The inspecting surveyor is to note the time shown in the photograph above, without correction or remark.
2:36
